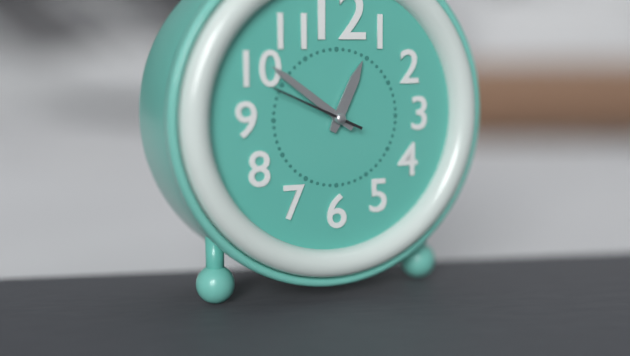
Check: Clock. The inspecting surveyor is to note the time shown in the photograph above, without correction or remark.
12:51:49
